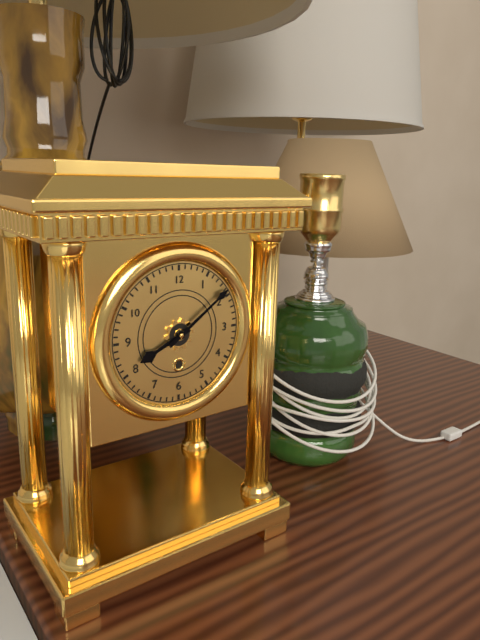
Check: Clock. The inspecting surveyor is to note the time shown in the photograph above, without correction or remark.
8:09
